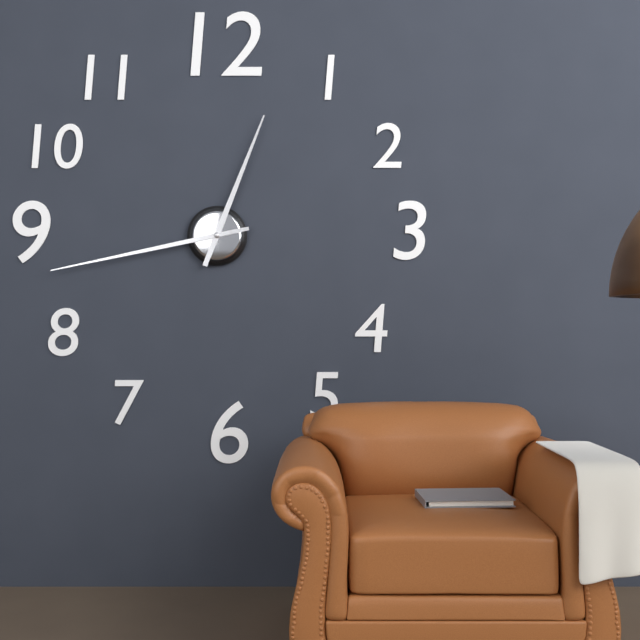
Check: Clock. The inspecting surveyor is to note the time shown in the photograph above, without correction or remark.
12:43
